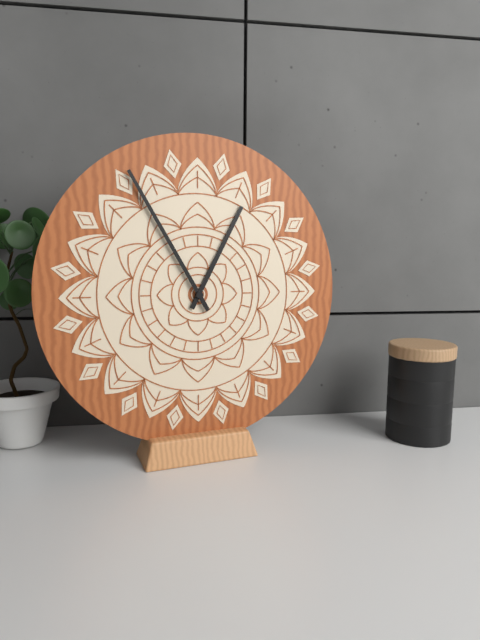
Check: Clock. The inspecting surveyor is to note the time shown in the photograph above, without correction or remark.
12:55
